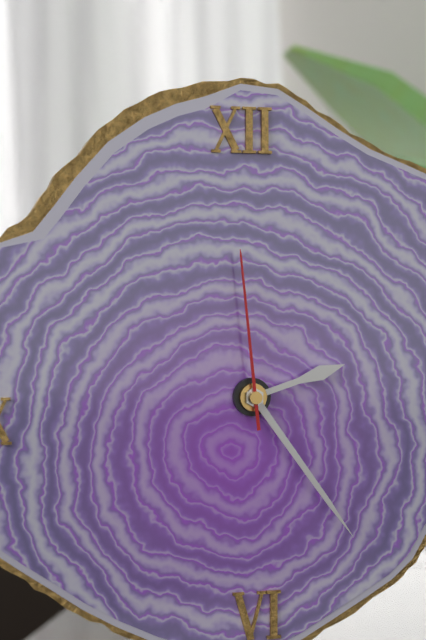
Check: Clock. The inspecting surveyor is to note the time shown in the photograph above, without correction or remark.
2:24:59
